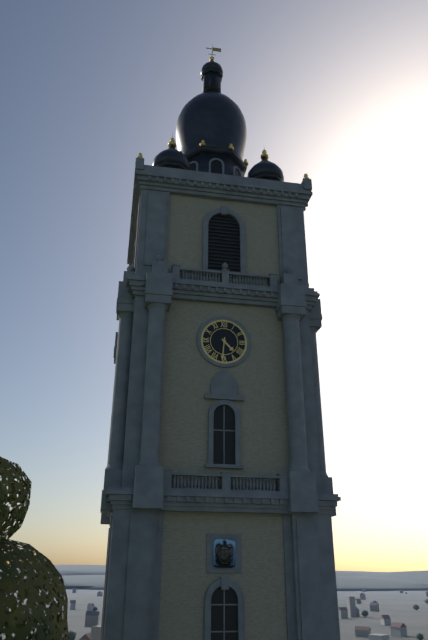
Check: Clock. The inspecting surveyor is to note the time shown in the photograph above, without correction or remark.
4:31
